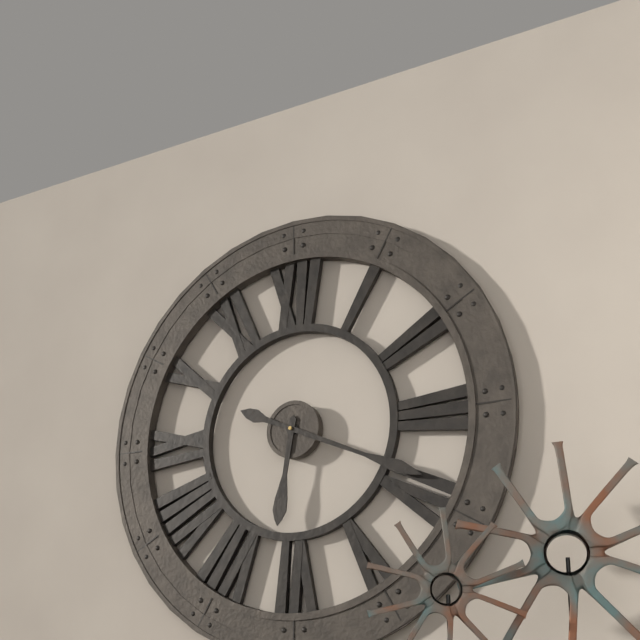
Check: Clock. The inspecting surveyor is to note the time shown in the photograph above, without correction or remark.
6:19
